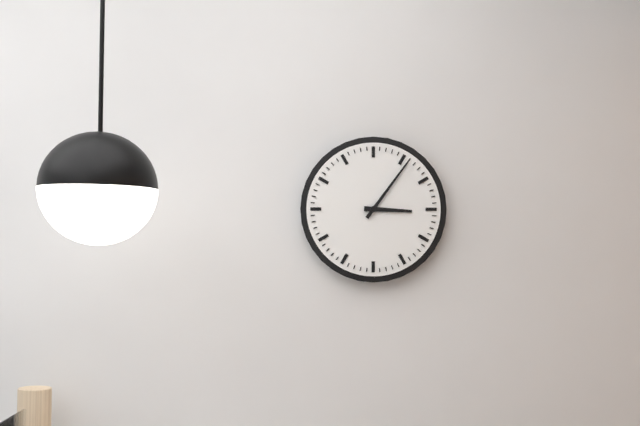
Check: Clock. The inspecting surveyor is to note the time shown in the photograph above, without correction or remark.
3:06
